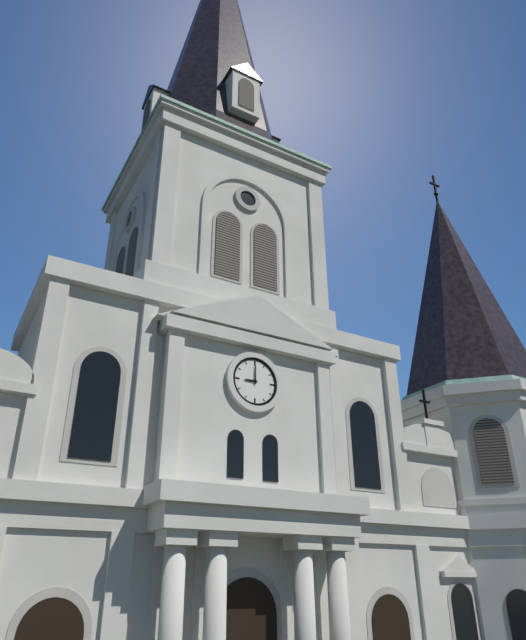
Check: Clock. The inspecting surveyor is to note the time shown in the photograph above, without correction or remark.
9:00
